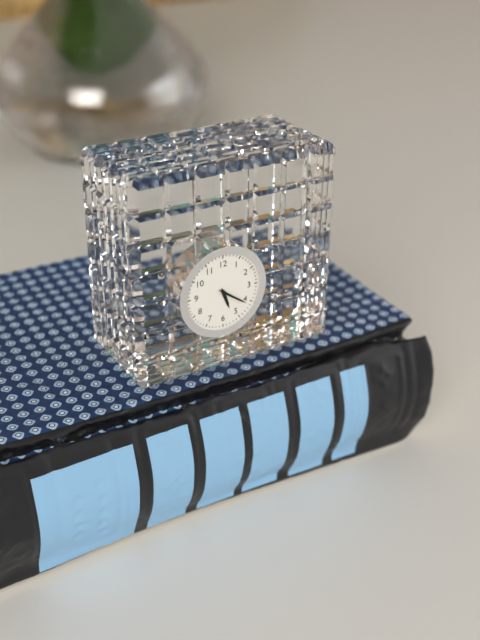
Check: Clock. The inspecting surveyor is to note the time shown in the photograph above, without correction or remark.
5:21
